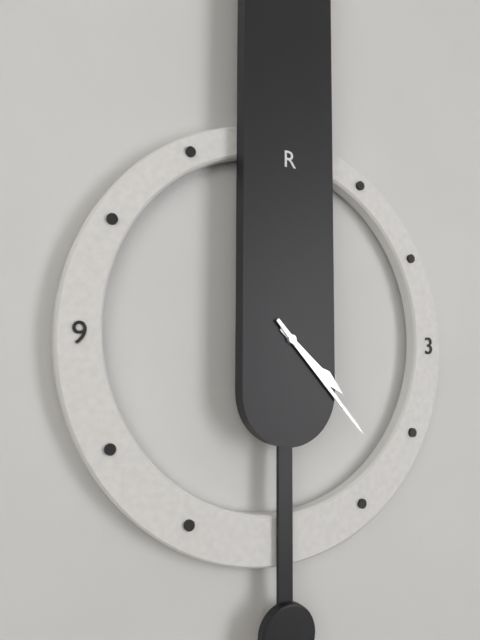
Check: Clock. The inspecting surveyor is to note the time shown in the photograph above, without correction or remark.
4:23
